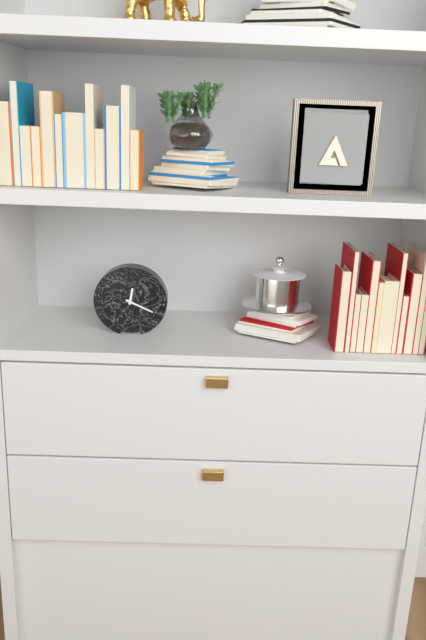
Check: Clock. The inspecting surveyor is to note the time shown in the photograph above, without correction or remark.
12:19
